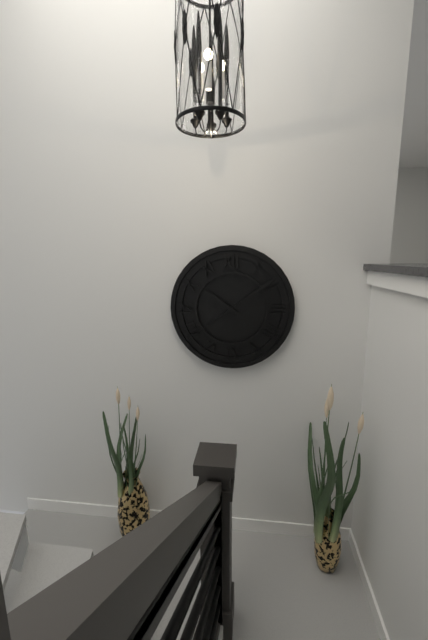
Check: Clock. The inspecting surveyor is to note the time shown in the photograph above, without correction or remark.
10:09:39
